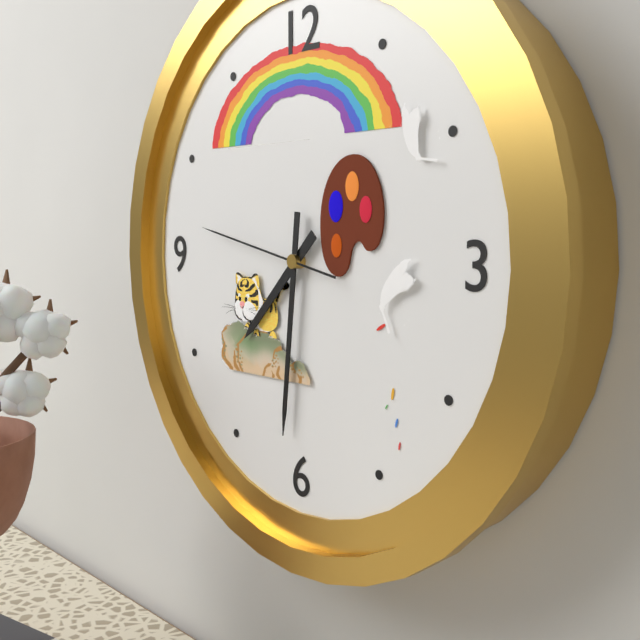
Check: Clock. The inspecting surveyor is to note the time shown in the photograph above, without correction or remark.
7:31:47
